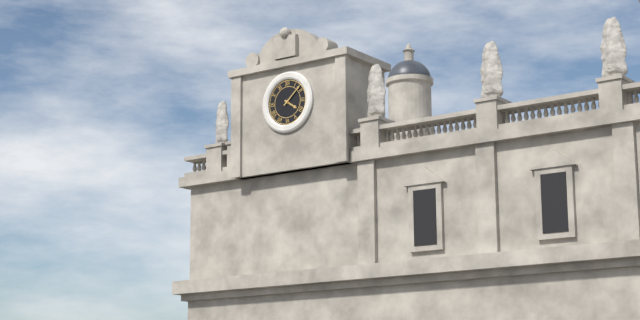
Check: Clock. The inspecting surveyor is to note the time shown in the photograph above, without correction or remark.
4:08
